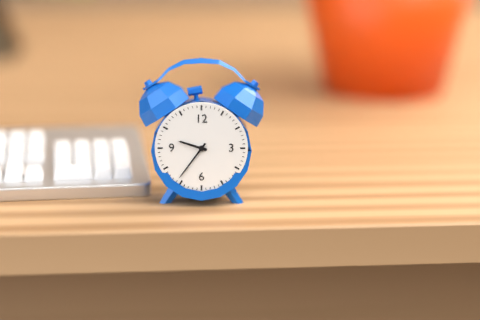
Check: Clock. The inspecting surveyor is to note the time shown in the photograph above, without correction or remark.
9:36
